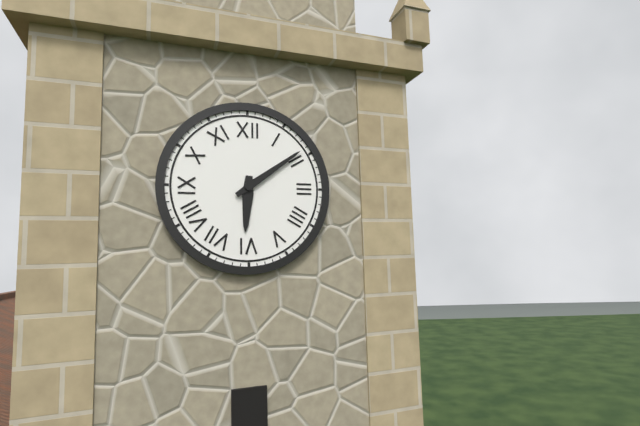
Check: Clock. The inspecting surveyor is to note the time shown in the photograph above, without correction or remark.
6:09
